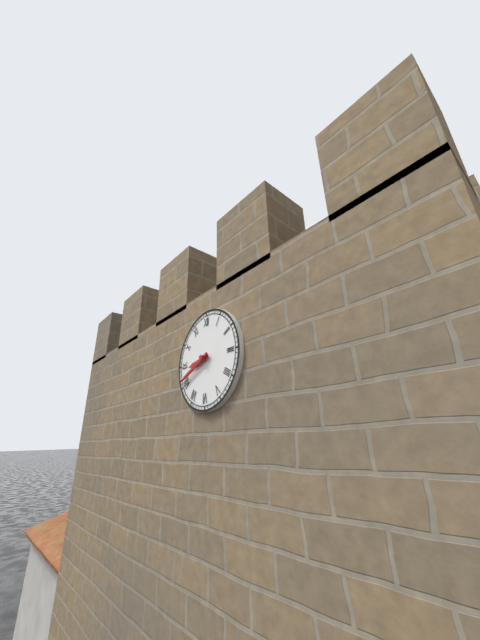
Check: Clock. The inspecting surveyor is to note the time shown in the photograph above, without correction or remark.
8:41
